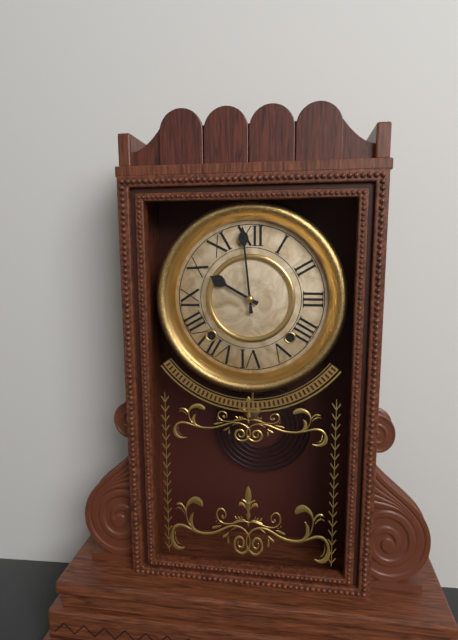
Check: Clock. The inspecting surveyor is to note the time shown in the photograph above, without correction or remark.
9:59
